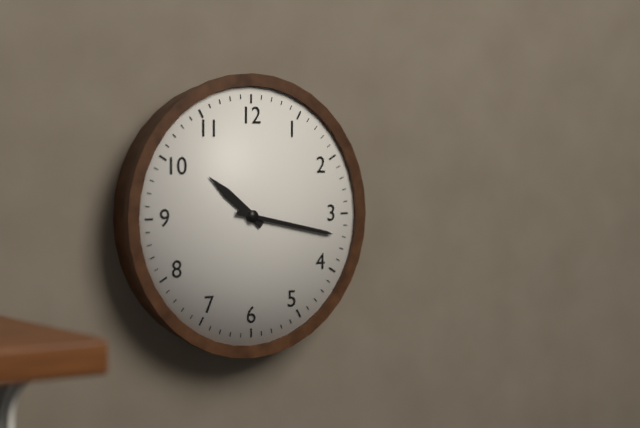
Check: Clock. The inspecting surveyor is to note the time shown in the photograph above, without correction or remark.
10:17
